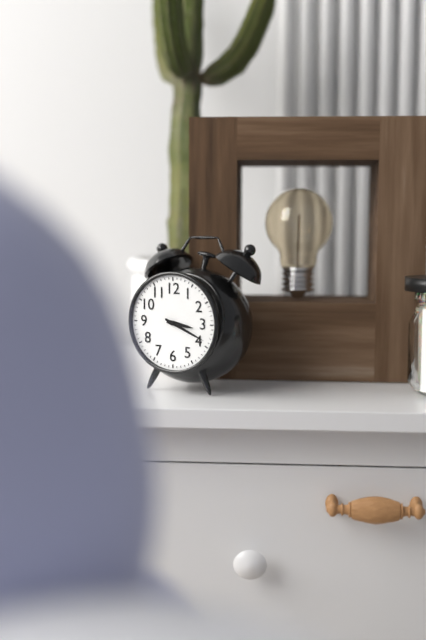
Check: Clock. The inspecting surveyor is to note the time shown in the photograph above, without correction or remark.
3:19
